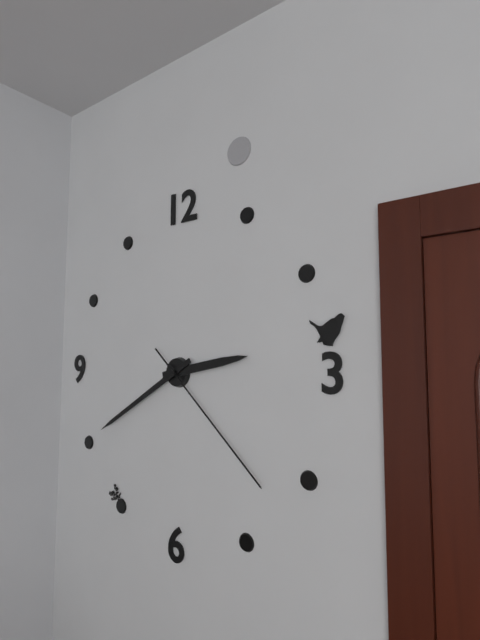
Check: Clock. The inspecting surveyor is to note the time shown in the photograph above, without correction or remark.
2:40:22
